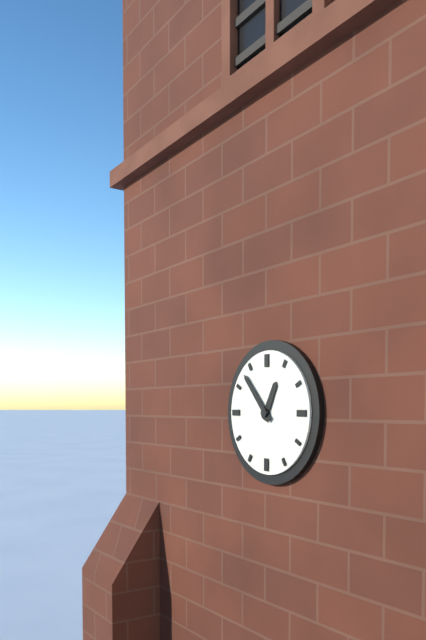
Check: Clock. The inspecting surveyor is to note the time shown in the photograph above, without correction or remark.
12:53
